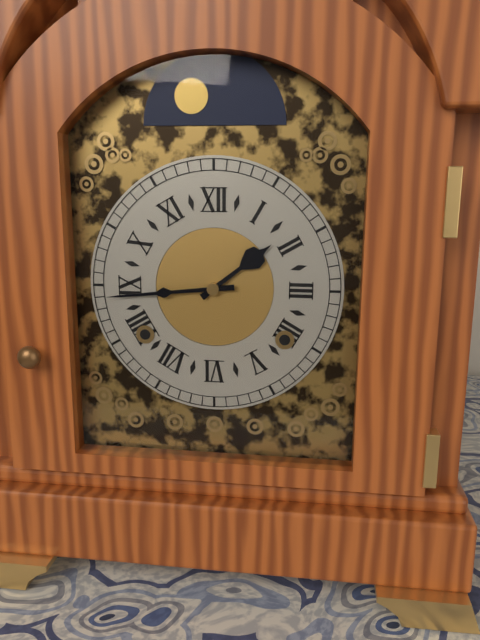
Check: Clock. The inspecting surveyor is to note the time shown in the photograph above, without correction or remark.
1:44
